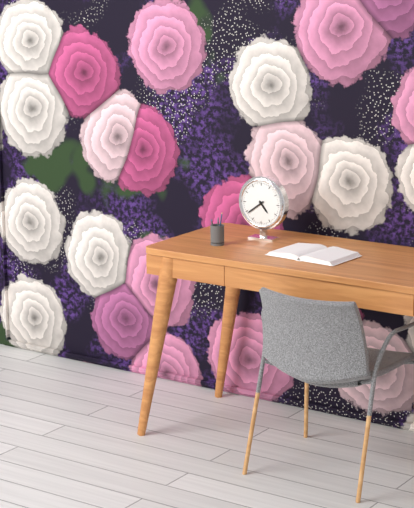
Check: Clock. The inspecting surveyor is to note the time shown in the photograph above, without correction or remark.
4:39
